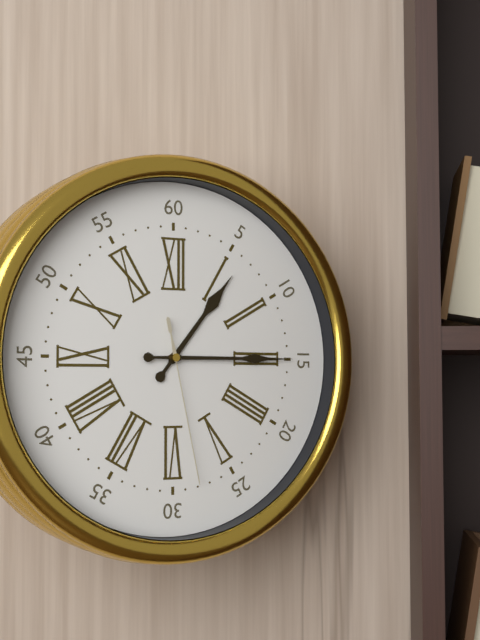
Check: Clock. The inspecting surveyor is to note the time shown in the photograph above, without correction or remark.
1:15:28
